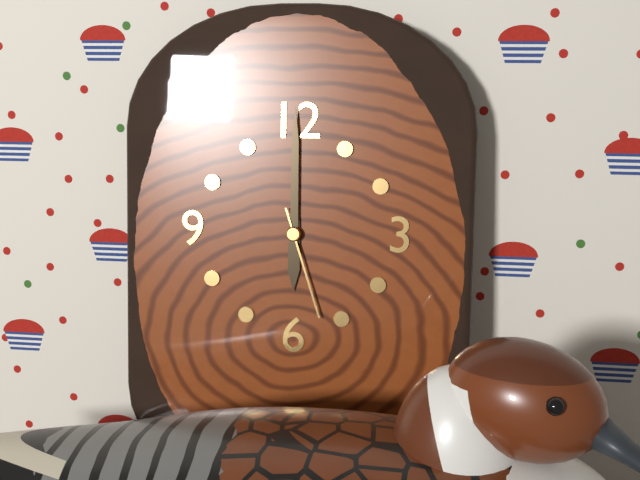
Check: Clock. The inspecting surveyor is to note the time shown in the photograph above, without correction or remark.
6:00:27
